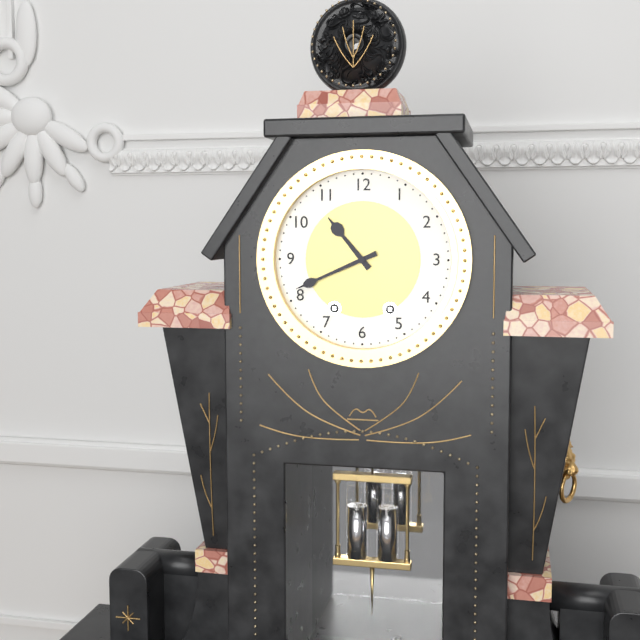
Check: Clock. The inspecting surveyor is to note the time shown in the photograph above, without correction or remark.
10:41
